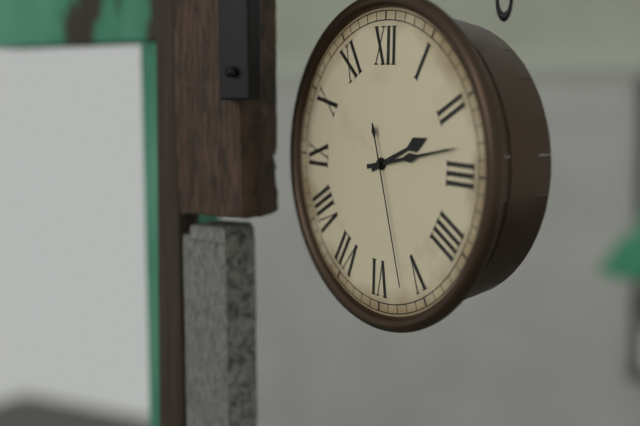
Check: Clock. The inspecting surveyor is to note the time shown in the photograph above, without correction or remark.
2:13:27
